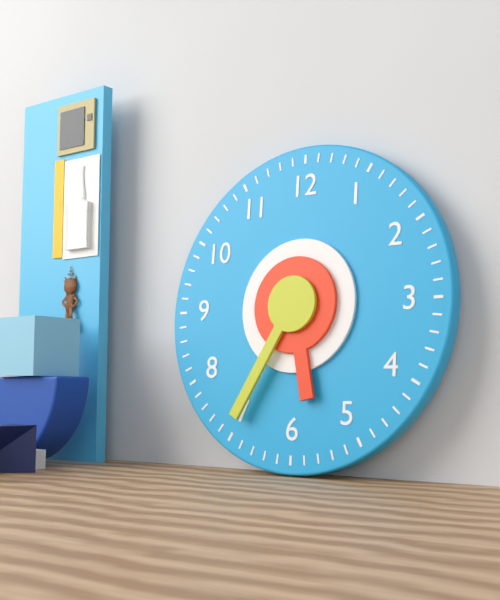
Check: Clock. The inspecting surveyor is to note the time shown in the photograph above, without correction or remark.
5:35
